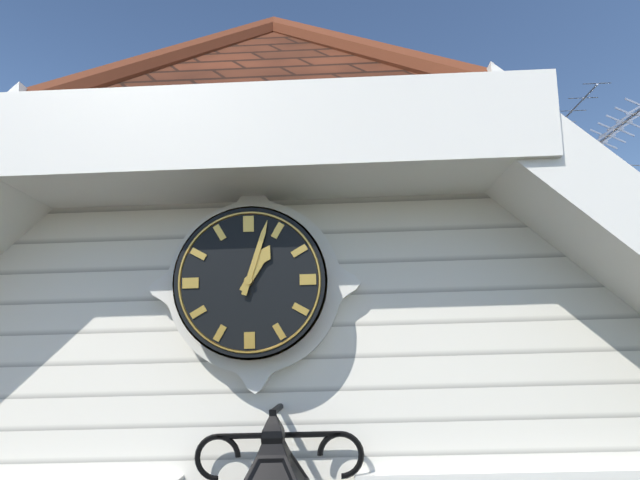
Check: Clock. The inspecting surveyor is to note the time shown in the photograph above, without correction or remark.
1:03
